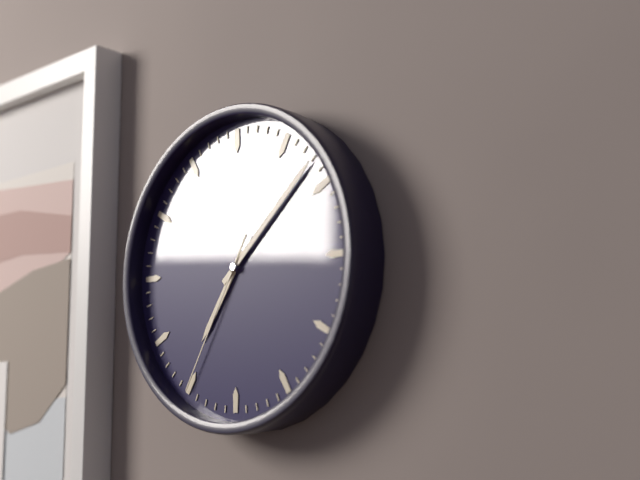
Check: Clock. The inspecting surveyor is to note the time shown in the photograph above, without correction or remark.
7:08:35
